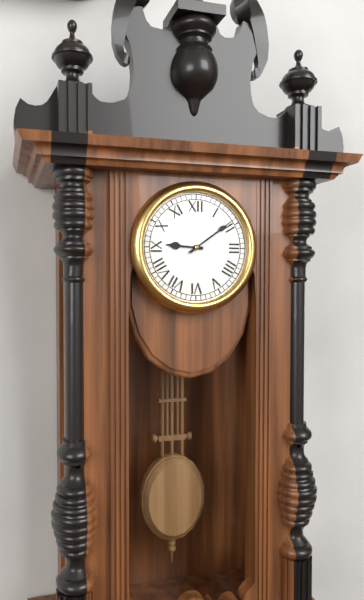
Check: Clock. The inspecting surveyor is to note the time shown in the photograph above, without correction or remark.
9:09
